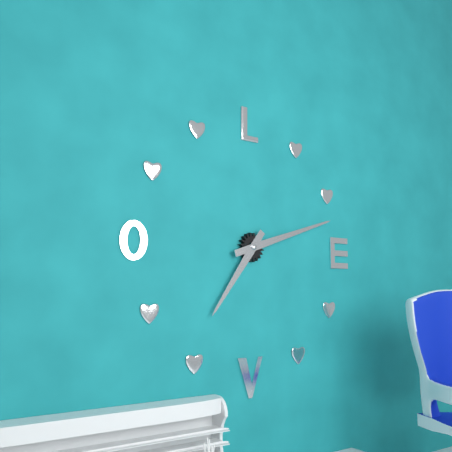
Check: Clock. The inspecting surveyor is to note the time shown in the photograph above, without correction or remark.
7:12
